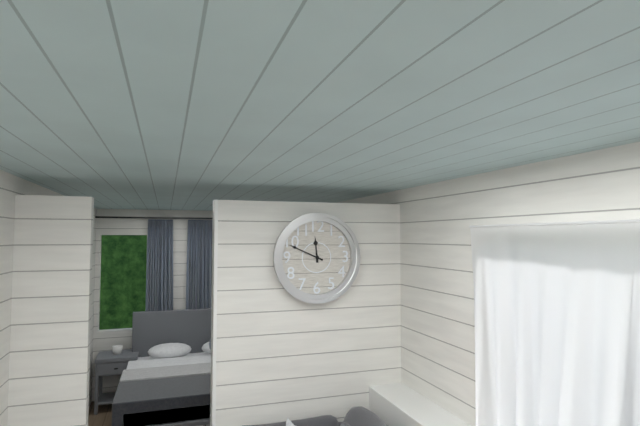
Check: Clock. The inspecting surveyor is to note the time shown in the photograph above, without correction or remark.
11:49
